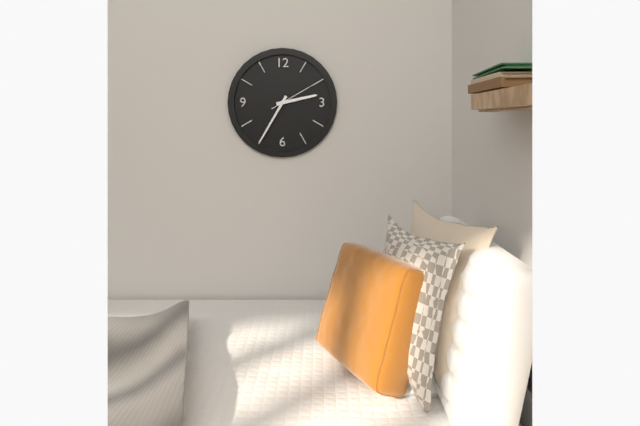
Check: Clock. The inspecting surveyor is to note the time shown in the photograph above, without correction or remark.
2:35:10
